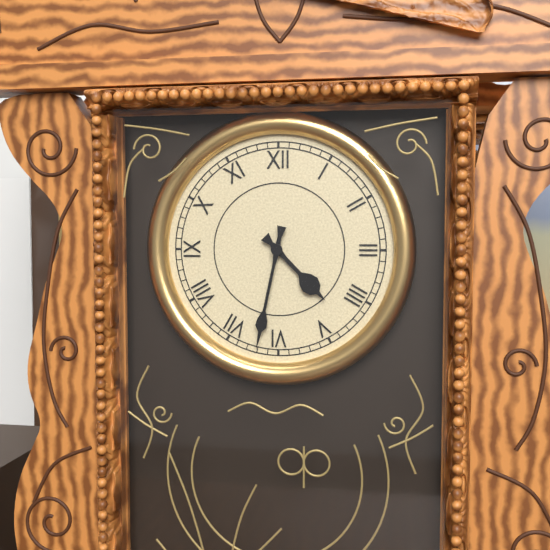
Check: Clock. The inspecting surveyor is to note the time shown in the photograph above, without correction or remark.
4:32
